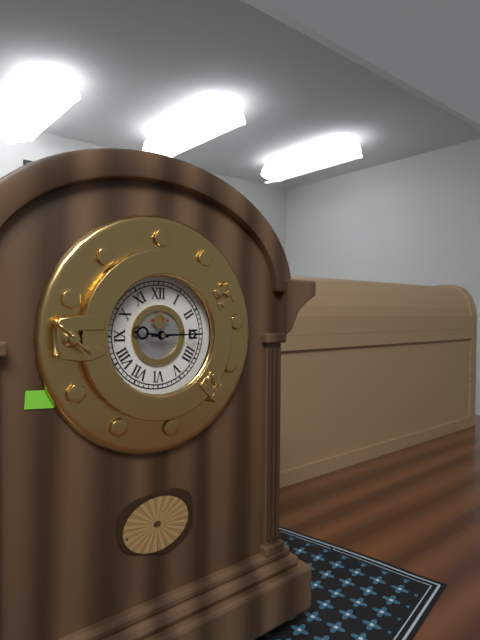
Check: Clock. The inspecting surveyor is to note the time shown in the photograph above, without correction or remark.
9:15
